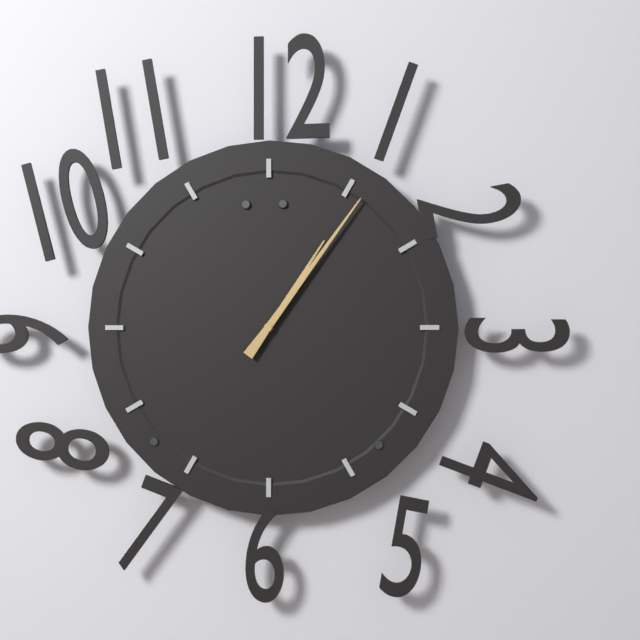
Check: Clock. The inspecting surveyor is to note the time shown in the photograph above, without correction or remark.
1:06
